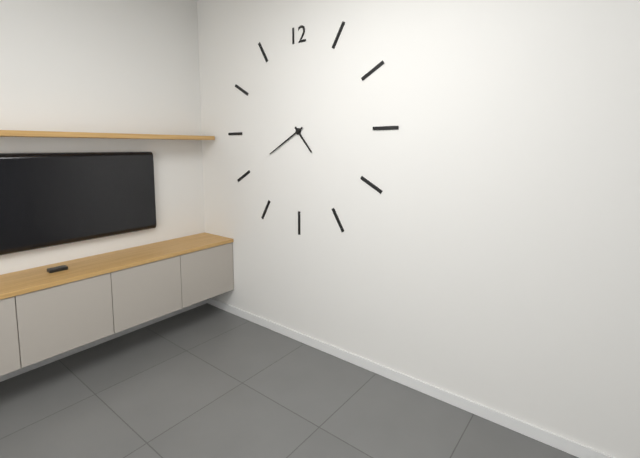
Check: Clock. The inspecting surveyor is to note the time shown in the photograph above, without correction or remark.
4:40
